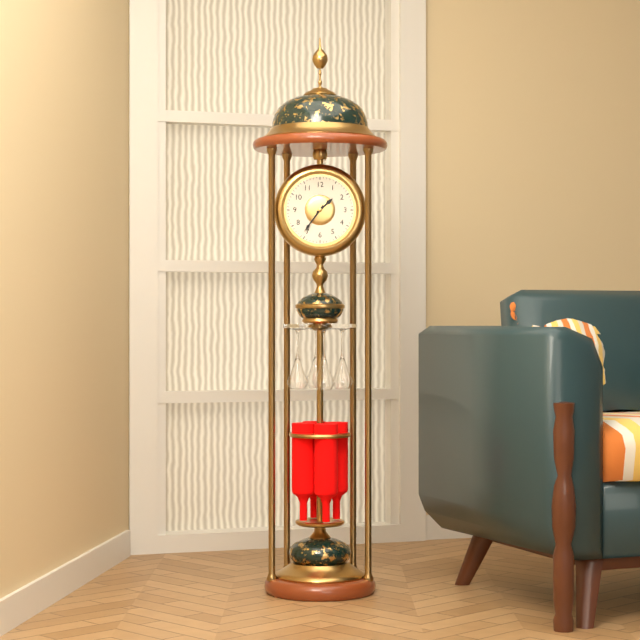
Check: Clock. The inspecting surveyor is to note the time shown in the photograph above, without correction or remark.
1:36
